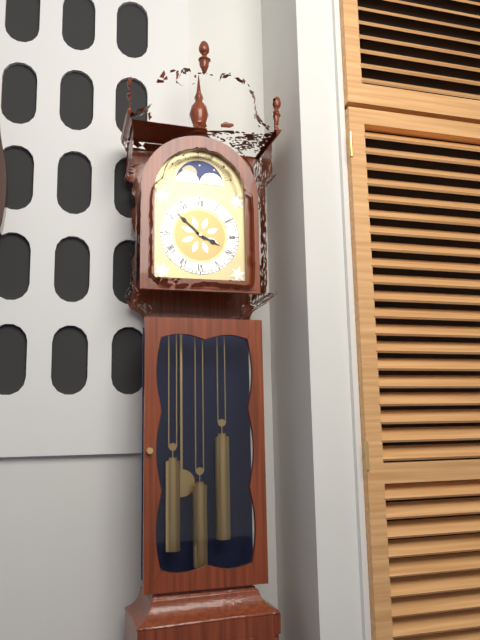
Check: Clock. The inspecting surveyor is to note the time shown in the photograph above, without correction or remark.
3:52
